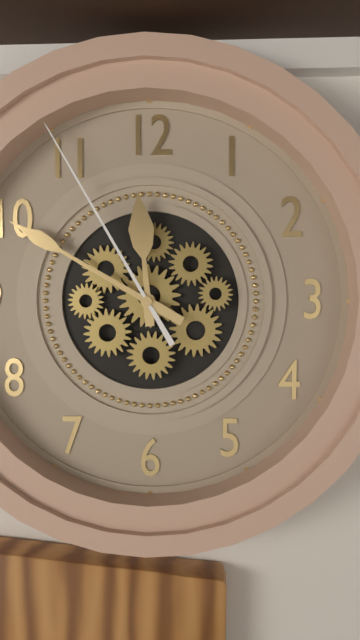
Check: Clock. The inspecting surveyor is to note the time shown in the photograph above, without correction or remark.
11:50:55
